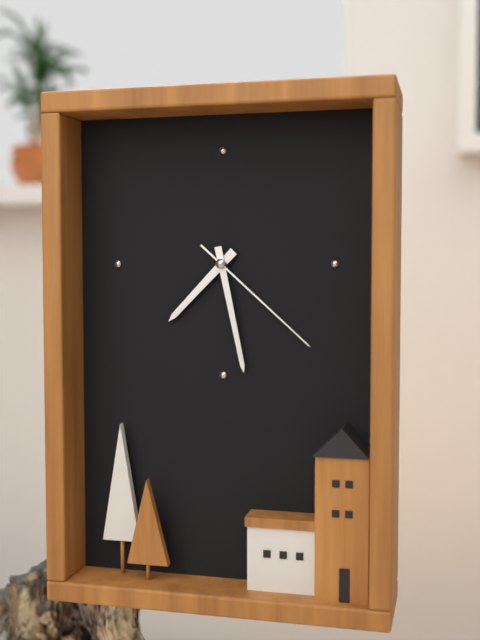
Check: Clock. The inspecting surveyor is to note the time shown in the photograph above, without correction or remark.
7:28:22
